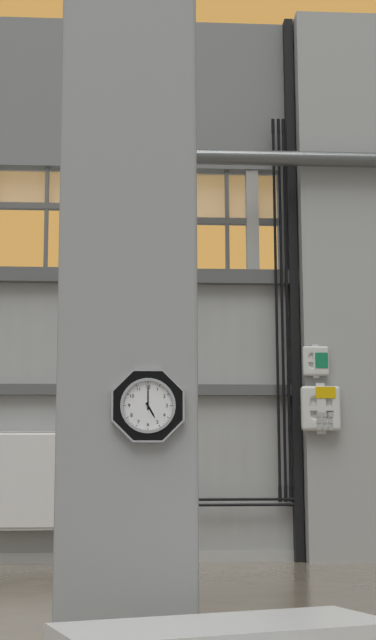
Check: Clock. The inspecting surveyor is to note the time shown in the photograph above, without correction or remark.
5:00
